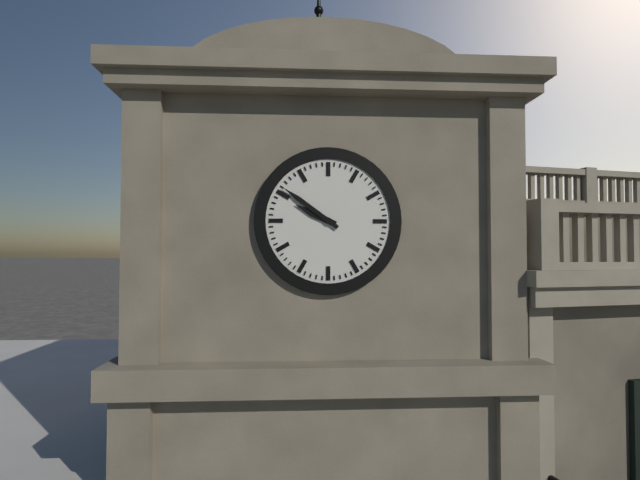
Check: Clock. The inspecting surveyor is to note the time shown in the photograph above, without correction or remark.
9:51
